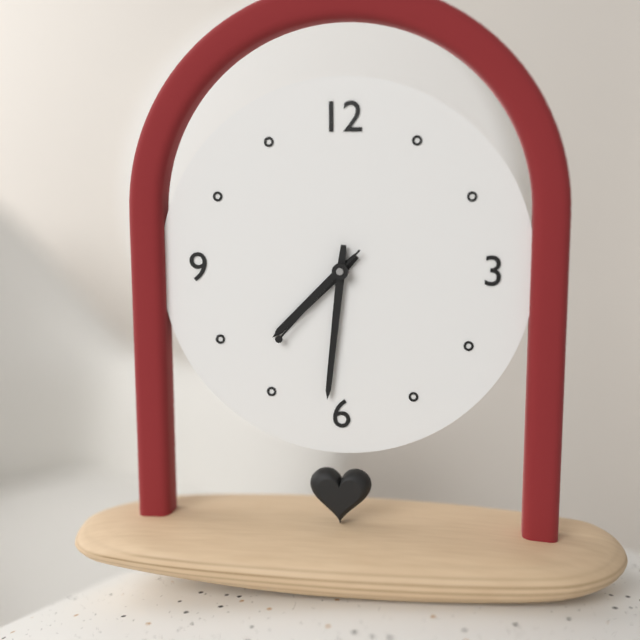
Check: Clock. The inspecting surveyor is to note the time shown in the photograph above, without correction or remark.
7:31:37
